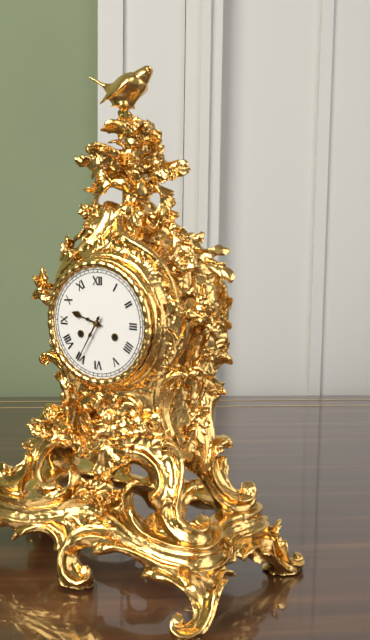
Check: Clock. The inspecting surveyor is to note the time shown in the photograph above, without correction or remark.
9:35
